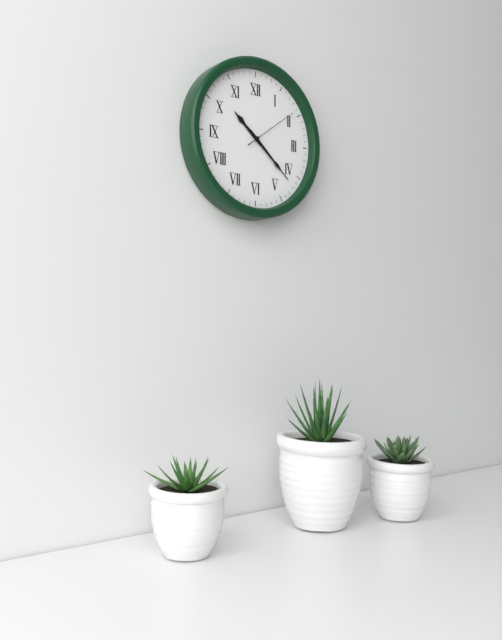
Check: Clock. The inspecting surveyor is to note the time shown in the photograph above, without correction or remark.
10:22:09
